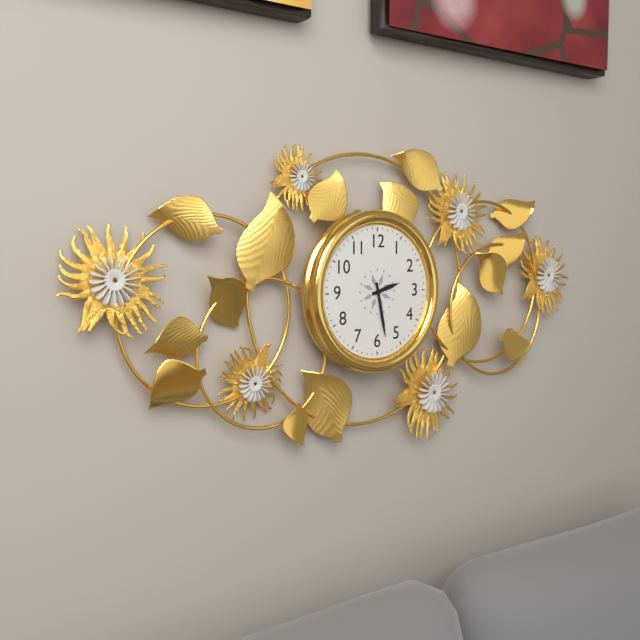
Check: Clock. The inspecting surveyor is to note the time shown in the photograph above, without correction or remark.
2:28
